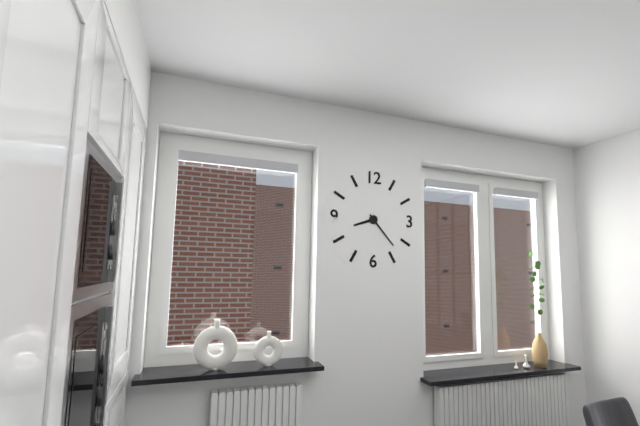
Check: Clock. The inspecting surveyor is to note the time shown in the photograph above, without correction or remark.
8:23
